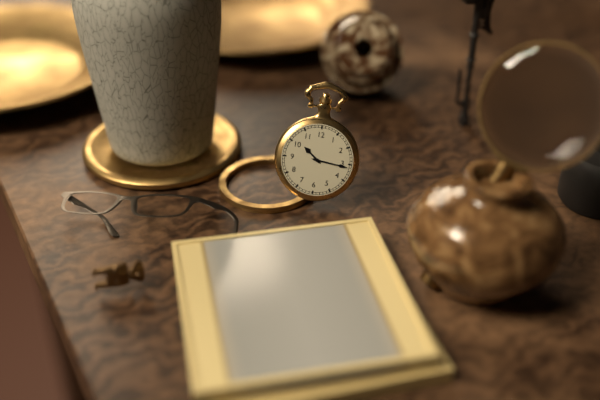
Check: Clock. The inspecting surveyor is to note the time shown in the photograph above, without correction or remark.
10:16
